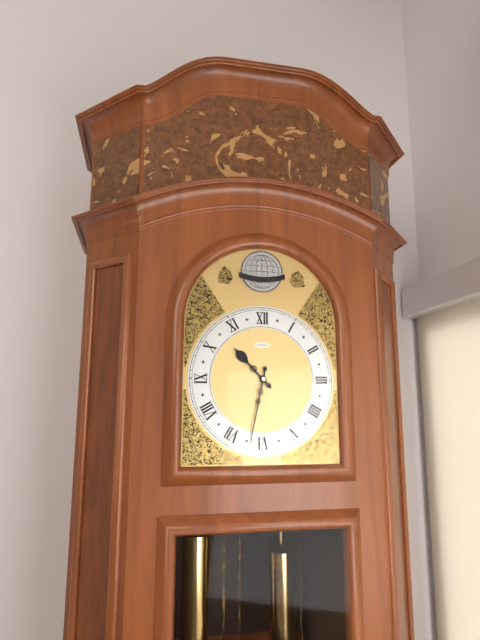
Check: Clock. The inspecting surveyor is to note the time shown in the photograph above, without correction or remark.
10:32
